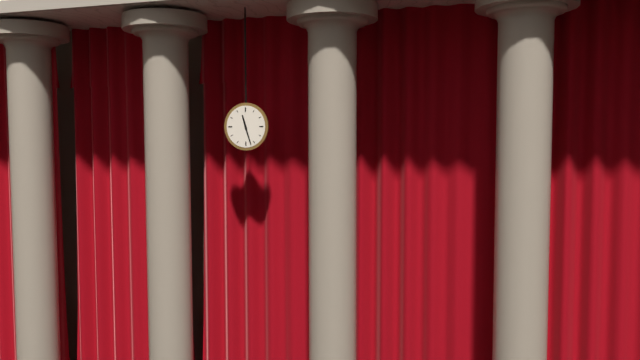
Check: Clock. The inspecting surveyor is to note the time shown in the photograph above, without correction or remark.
11:27
